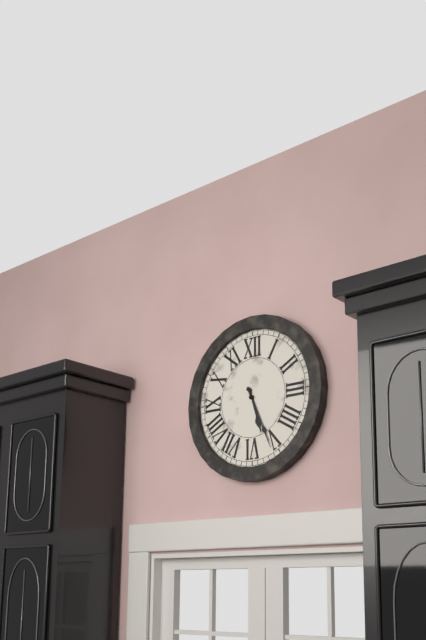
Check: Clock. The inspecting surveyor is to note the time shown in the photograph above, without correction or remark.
5:26
